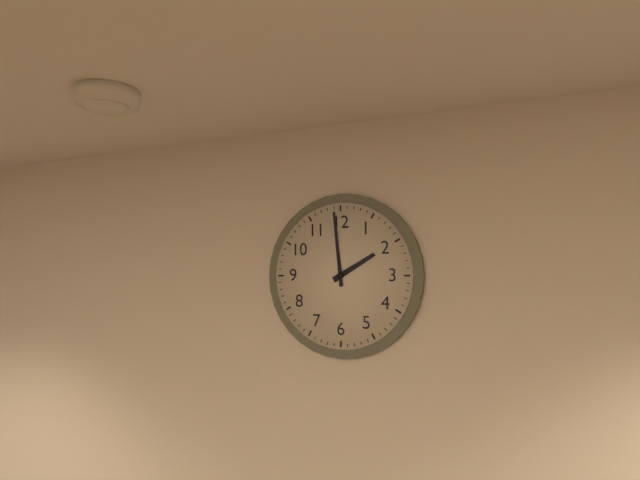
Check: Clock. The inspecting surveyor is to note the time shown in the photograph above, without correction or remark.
1:59
